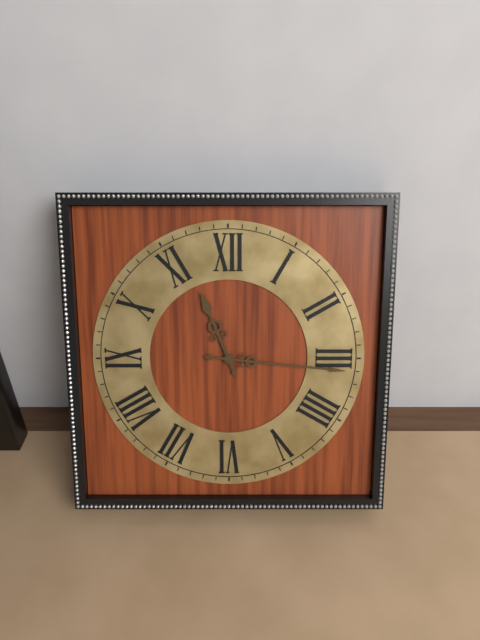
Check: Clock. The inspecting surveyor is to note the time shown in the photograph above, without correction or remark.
11:16
